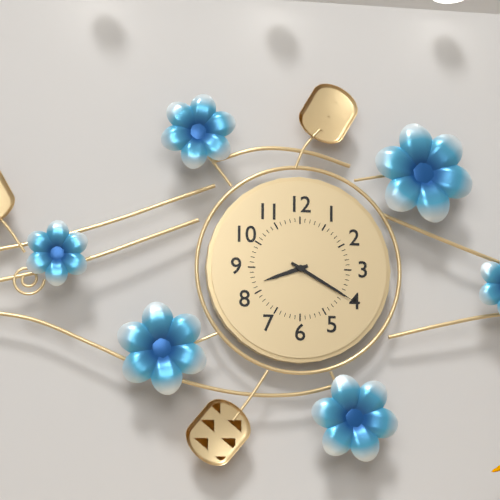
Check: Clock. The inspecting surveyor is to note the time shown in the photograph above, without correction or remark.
8:20
